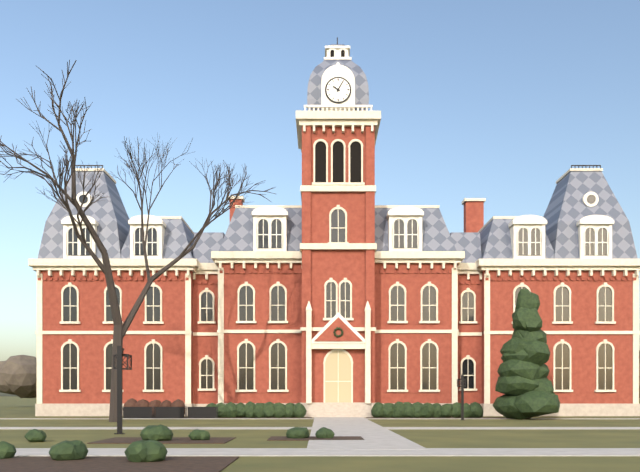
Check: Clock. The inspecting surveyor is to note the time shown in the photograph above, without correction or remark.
10:05
